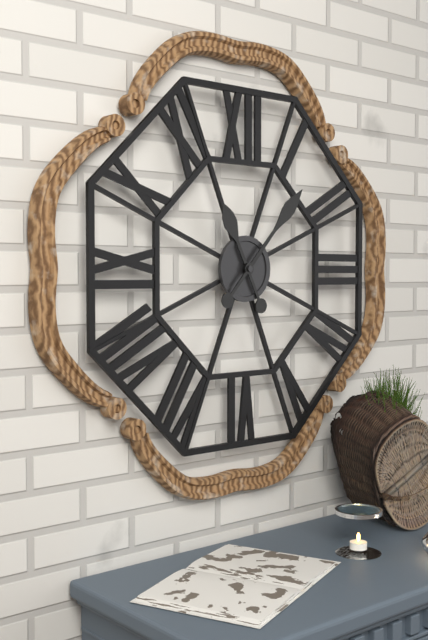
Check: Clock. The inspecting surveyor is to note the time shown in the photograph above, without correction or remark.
11:07
